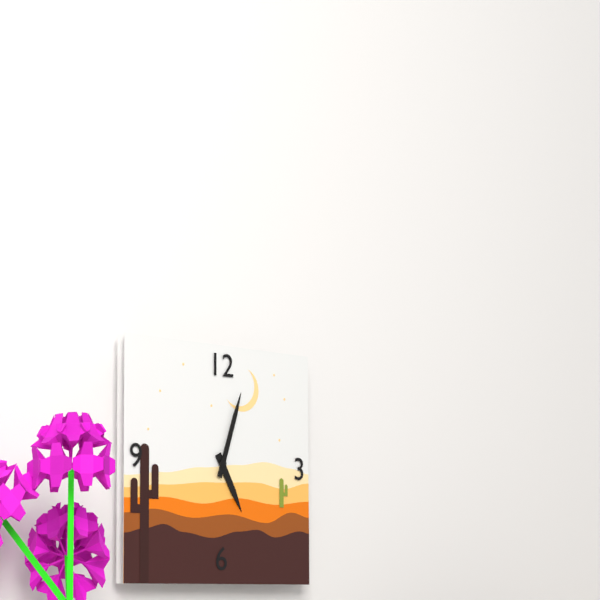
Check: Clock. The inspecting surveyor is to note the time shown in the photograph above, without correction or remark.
5:03
